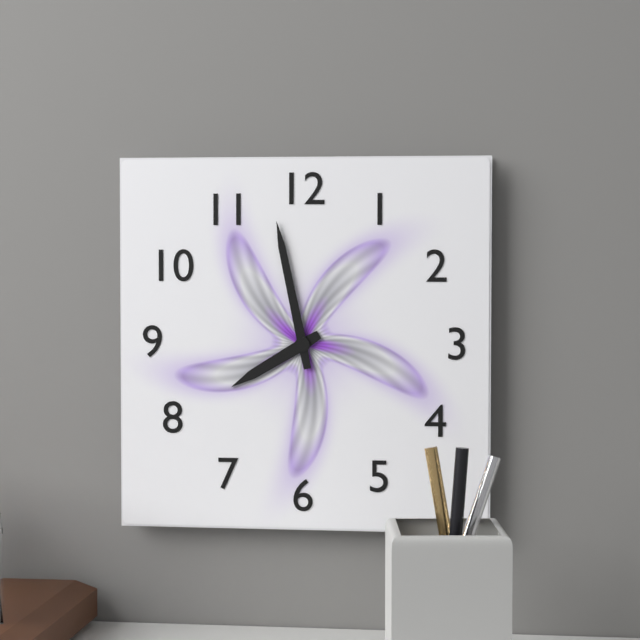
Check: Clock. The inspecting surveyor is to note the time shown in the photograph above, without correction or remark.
7:58
